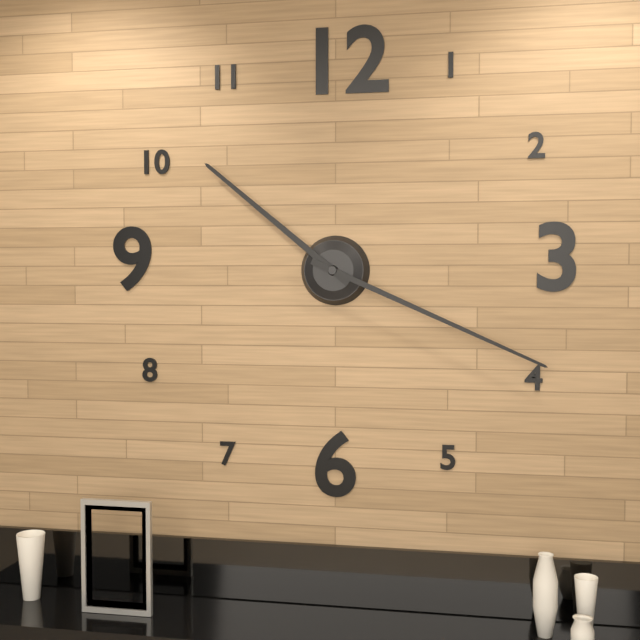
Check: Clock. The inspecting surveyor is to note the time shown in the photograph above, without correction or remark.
10:19
